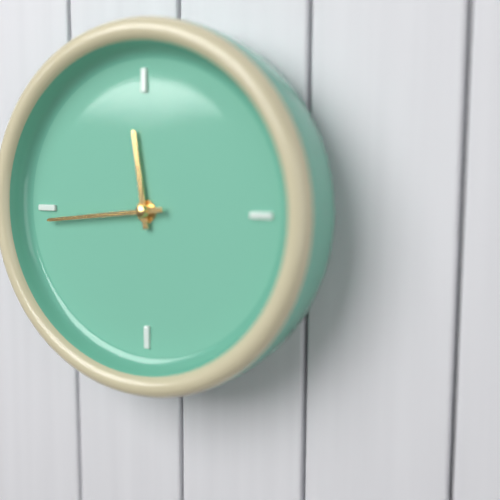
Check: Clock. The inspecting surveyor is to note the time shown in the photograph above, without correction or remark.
11:44
